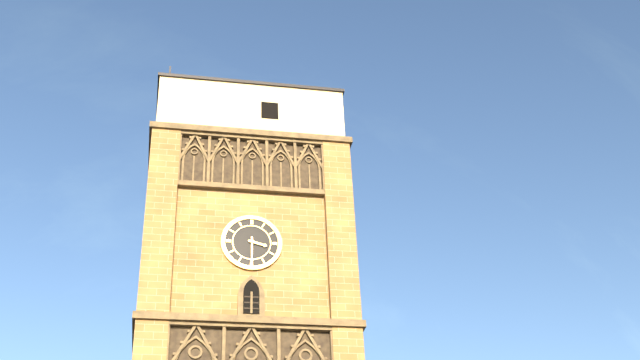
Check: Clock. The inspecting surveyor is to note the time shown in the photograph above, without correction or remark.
3:30
